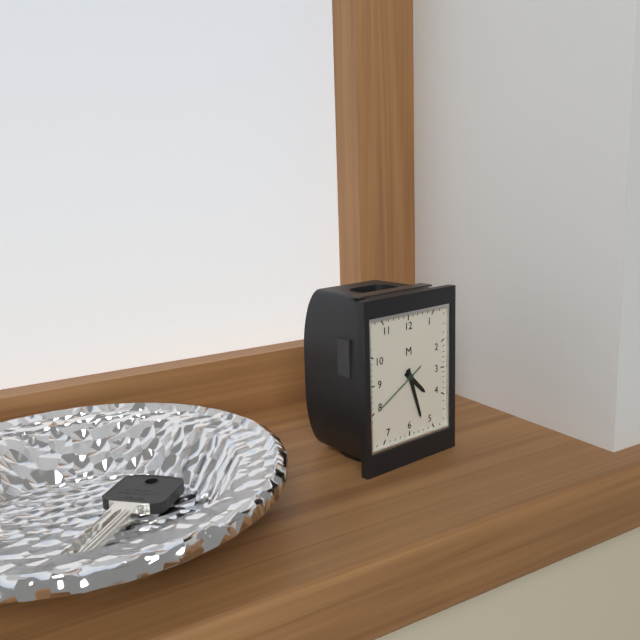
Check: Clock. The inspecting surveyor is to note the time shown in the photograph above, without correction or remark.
4:27:40
